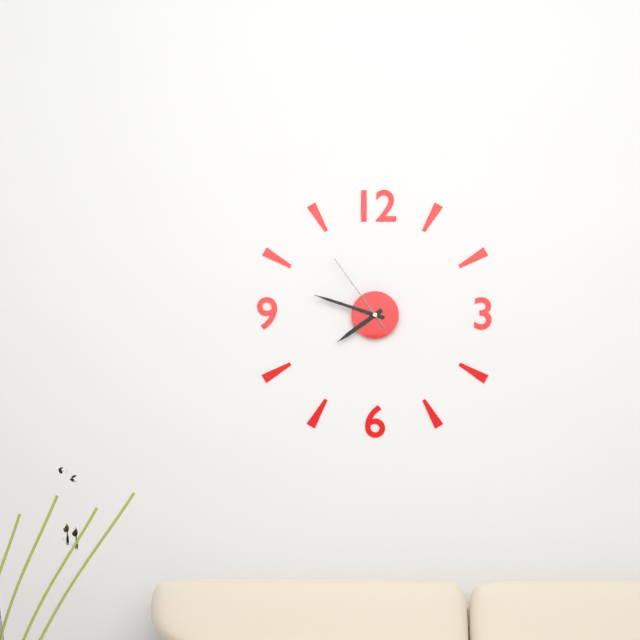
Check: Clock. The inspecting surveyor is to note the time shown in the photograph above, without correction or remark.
7:48:54
